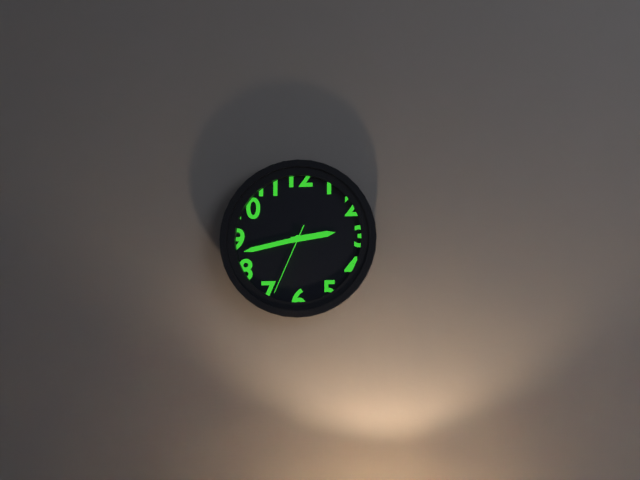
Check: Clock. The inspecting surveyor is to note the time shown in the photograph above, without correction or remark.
2:43:34
